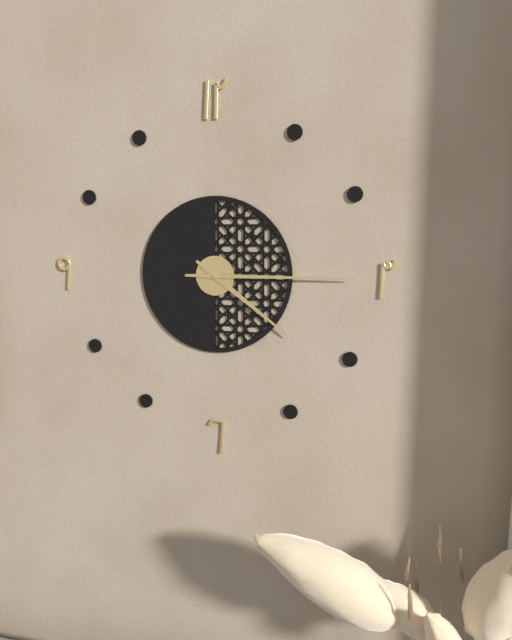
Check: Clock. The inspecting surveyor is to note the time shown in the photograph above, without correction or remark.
4:15
